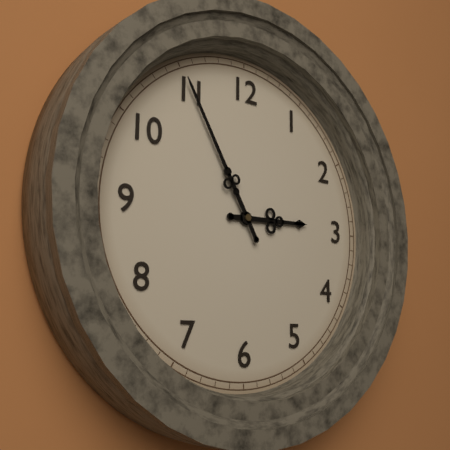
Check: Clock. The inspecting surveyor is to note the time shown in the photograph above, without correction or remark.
2:55
